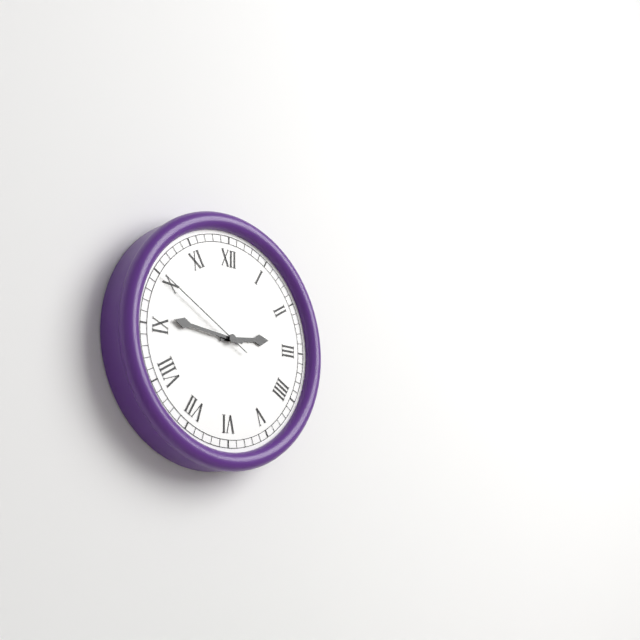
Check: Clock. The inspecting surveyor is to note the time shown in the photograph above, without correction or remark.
2:46:50
